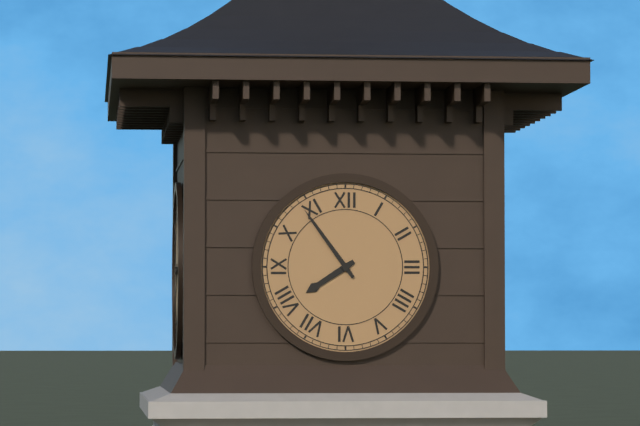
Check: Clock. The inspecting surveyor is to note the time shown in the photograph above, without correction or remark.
7:54
